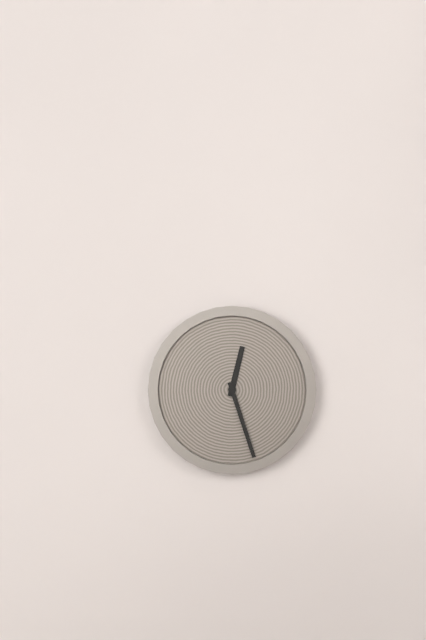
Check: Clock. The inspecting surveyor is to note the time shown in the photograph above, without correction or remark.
12:27
